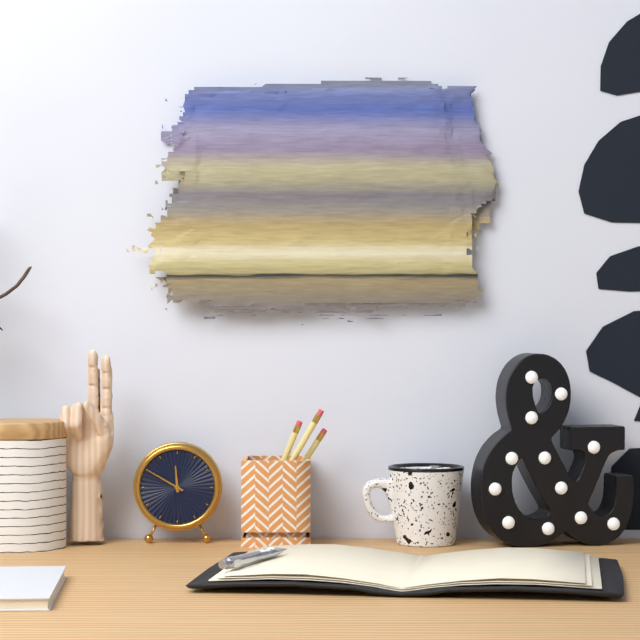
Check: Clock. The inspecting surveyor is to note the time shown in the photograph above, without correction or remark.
11:50
